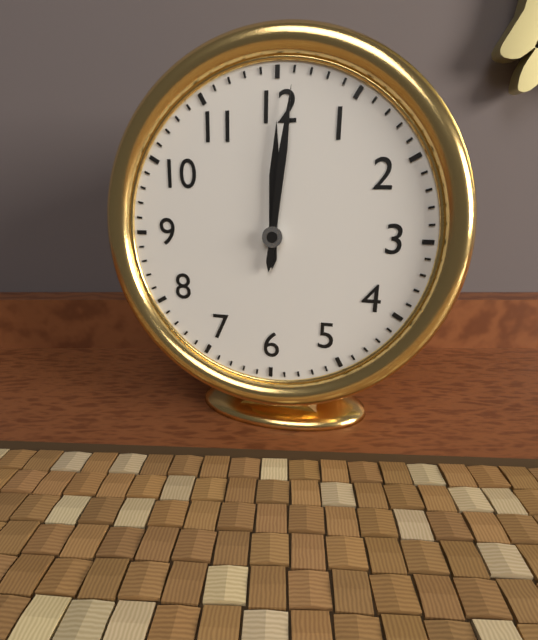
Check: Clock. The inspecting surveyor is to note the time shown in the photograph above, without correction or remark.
12:01
